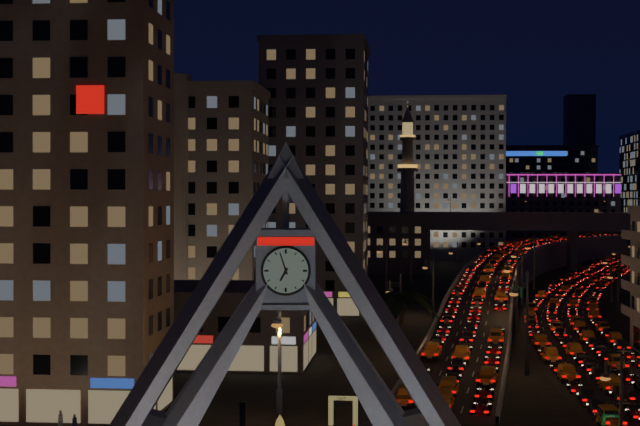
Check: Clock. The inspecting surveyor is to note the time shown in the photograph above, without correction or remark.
6:57
